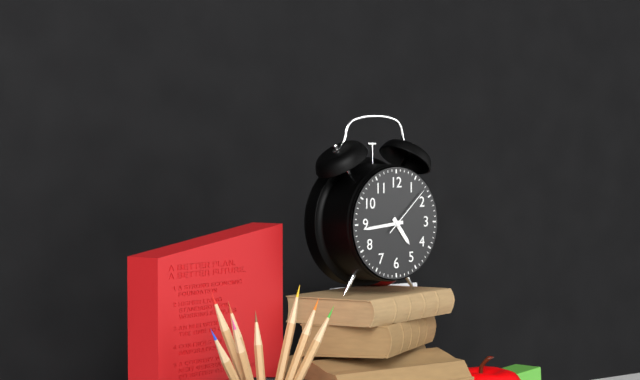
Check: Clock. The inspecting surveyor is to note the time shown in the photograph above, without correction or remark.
4:44:08
